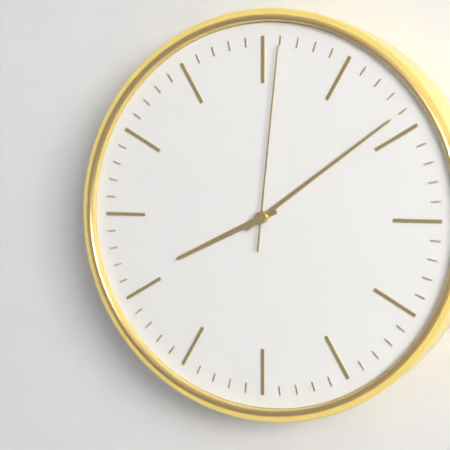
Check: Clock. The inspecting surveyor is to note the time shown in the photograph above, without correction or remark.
8:09:01
